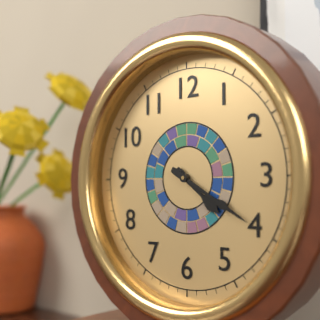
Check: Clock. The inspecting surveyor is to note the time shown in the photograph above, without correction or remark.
4:20
